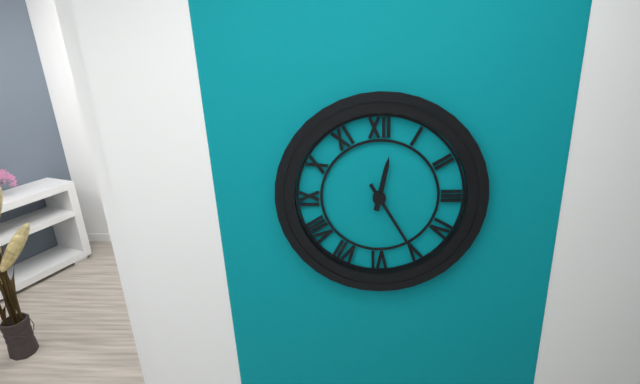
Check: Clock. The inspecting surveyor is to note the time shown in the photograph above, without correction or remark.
12:25
